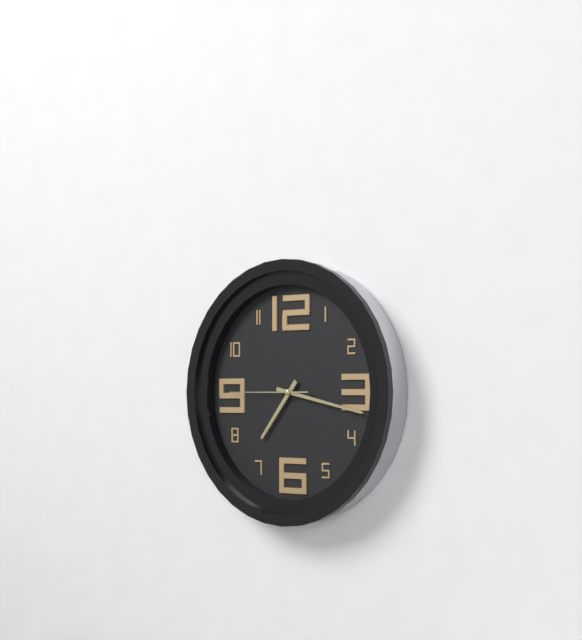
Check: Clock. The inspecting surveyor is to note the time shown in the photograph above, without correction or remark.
7:17:45
